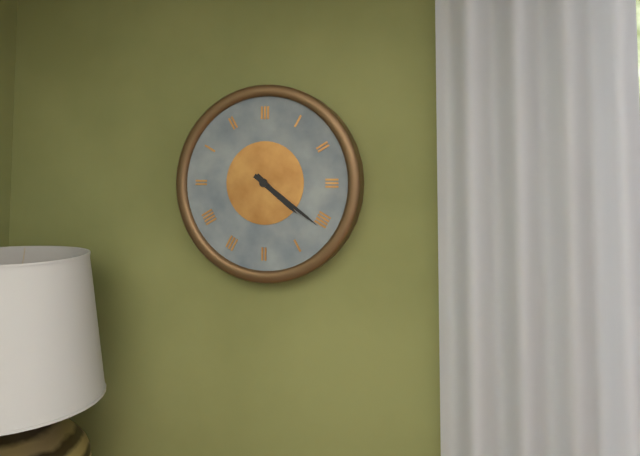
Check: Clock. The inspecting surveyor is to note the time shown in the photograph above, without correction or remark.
4:21
